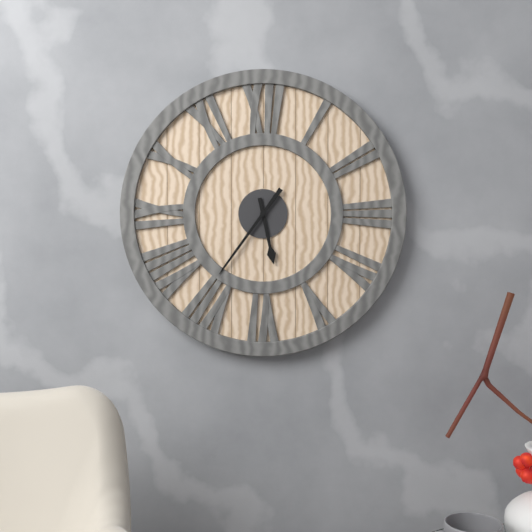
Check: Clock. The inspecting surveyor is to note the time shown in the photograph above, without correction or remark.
5:36
